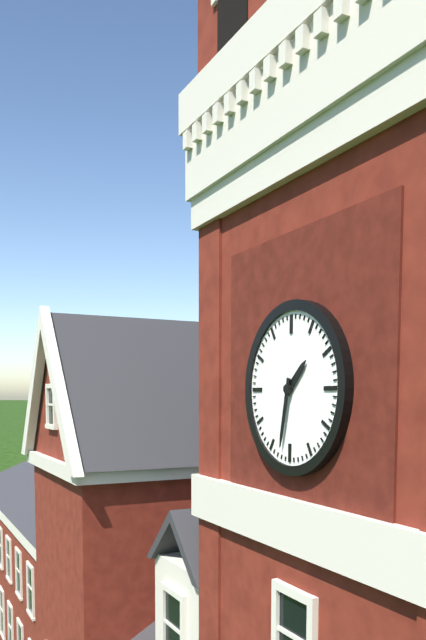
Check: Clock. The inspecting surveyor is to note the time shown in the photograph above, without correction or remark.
1:32
